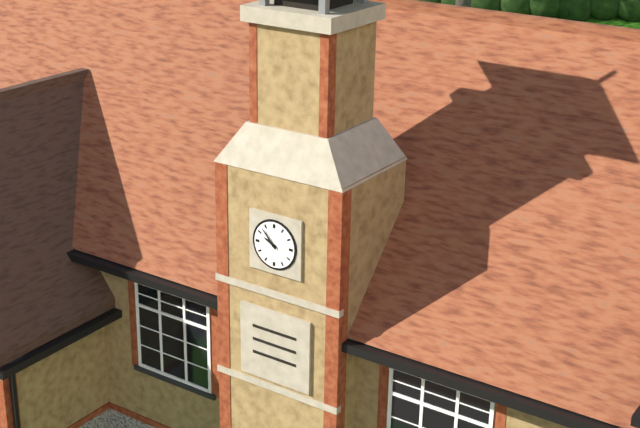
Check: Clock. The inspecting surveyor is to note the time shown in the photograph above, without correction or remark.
9:53
